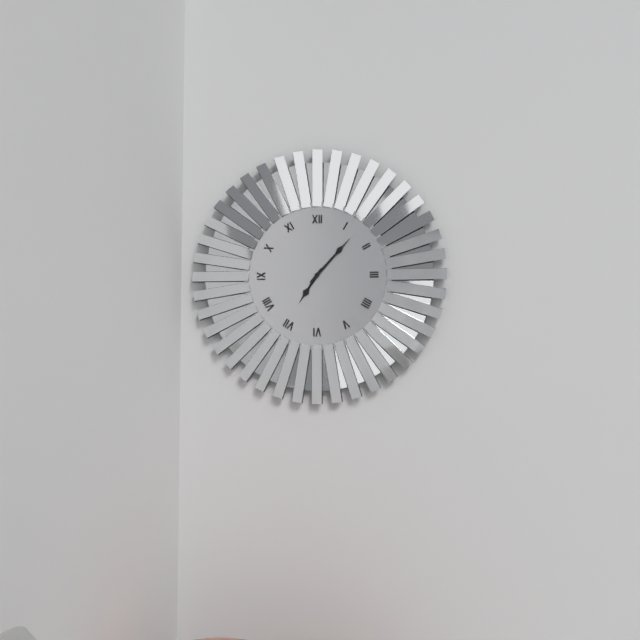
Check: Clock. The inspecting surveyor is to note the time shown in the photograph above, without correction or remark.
7:07
